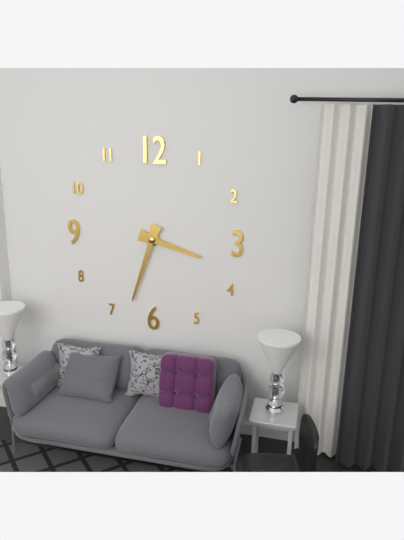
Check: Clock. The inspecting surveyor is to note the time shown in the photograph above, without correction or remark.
3:33
